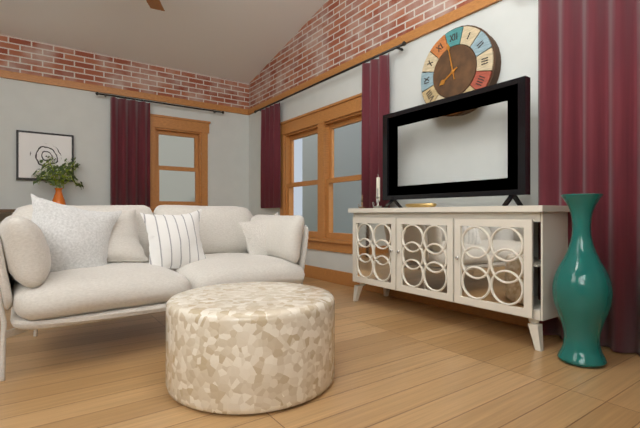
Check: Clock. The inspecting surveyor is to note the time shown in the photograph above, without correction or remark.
7:58
